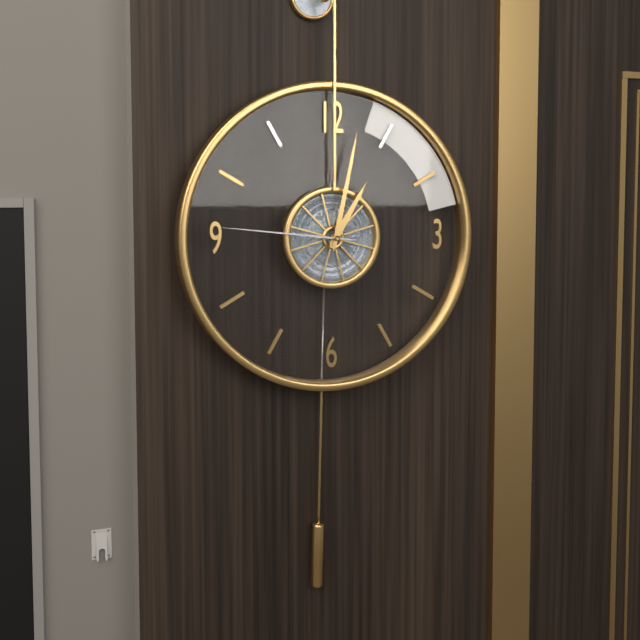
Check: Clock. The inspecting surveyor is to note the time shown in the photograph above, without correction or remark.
1:02:46
